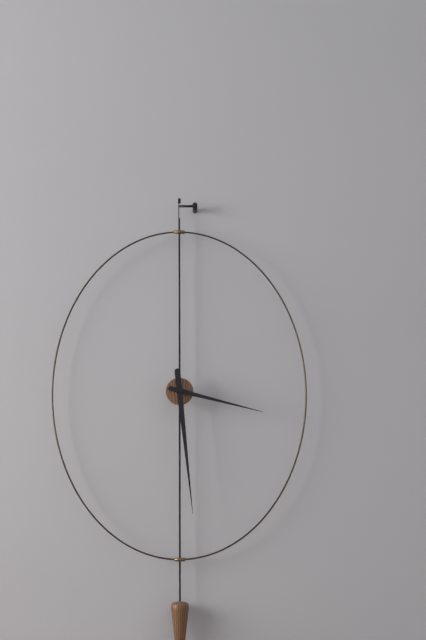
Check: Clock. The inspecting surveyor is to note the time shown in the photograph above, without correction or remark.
3:29
